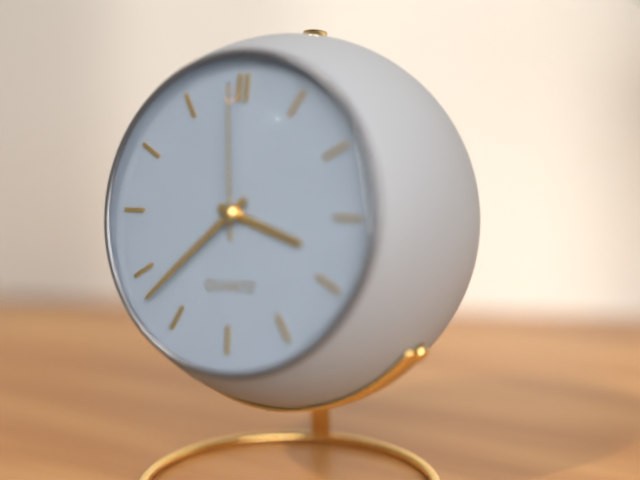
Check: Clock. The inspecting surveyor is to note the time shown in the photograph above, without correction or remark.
3:38:59
